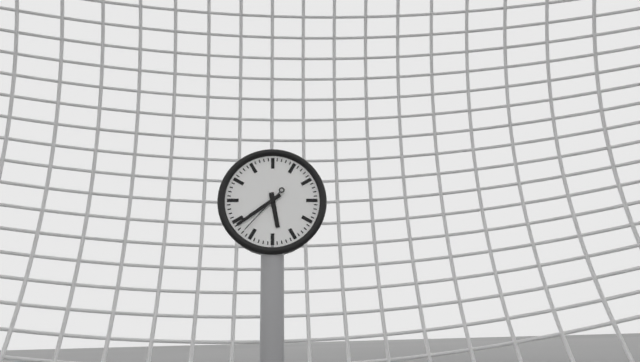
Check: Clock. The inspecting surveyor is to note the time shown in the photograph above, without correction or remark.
5:39:37
